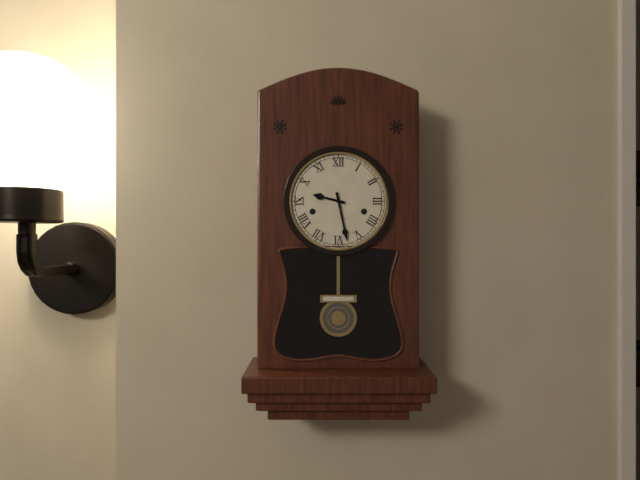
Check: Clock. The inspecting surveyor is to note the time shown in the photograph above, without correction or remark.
9:28
